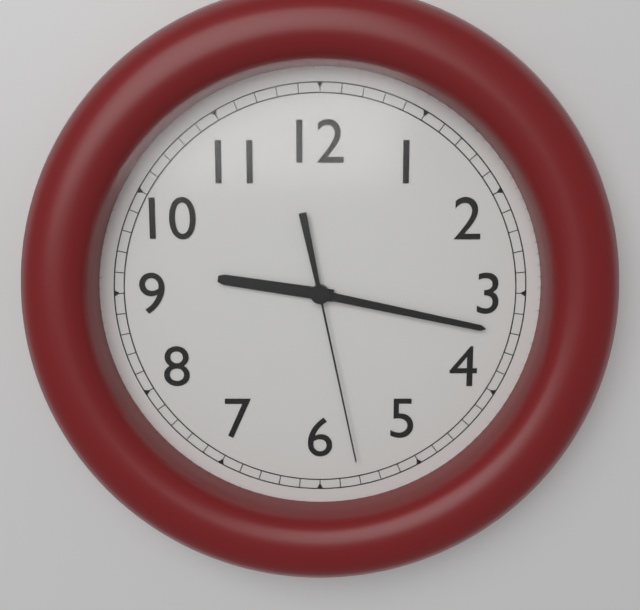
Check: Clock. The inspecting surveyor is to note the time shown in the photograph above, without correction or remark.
9:17:28
